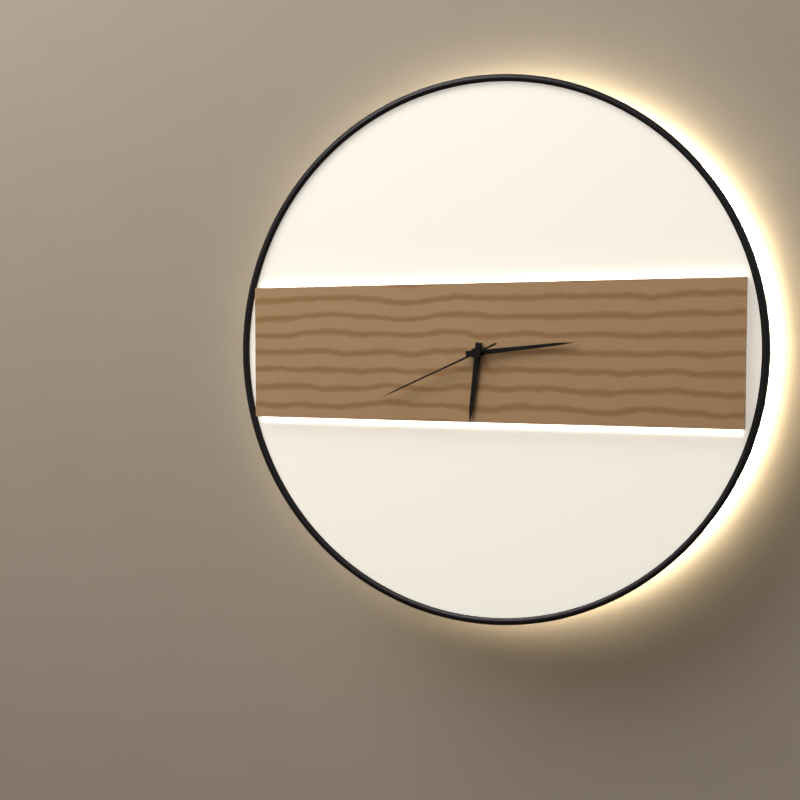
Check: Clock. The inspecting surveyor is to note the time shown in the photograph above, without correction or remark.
6:14:41
